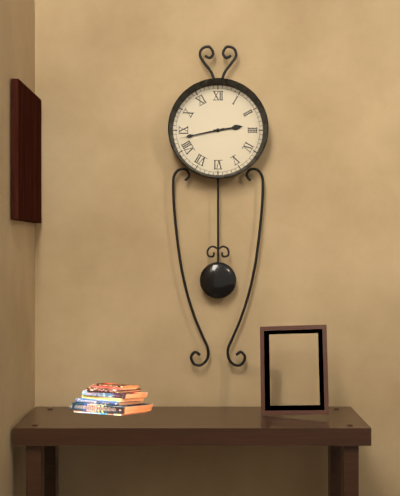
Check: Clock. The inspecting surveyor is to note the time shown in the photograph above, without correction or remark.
2:43
